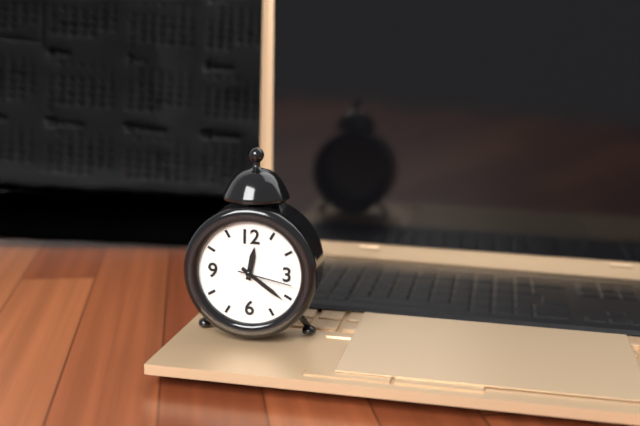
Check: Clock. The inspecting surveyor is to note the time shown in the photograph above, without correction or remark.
12:21:17
